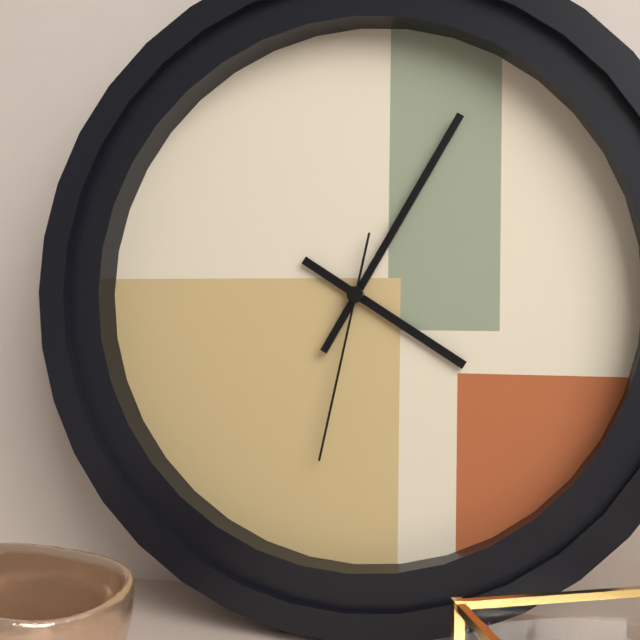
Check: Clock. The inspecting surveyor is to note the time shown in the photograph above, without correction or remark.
4:05:32
